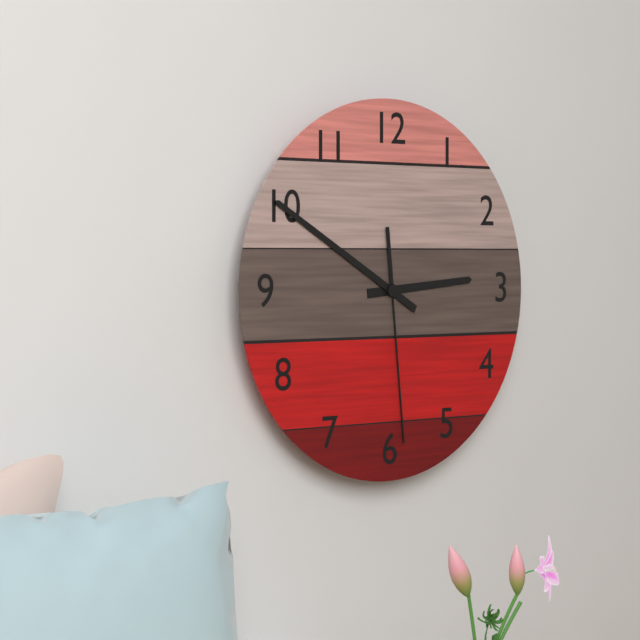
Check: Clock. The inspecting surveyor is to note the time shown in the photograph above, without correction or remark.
2:50:29
